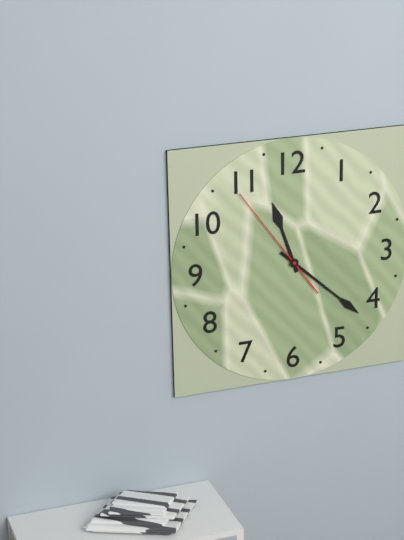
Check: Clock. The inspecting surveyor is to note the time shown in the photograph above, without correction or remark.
11:22:54
